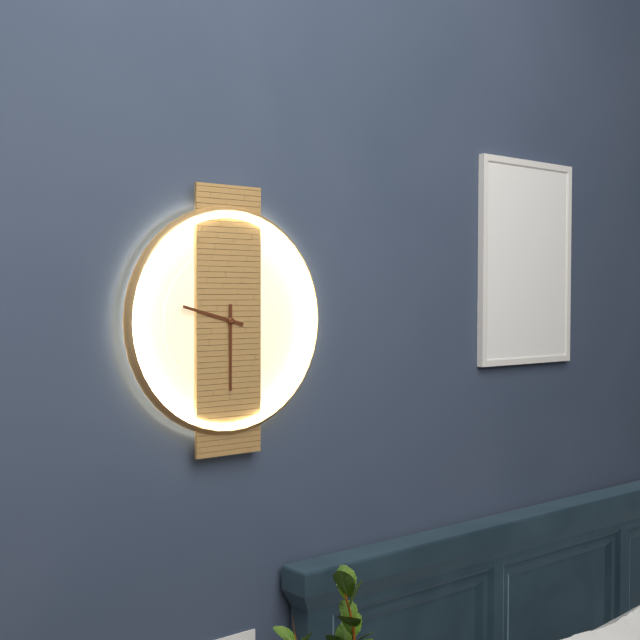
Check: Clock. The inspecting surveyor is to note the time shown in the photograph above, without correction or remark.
9:30
